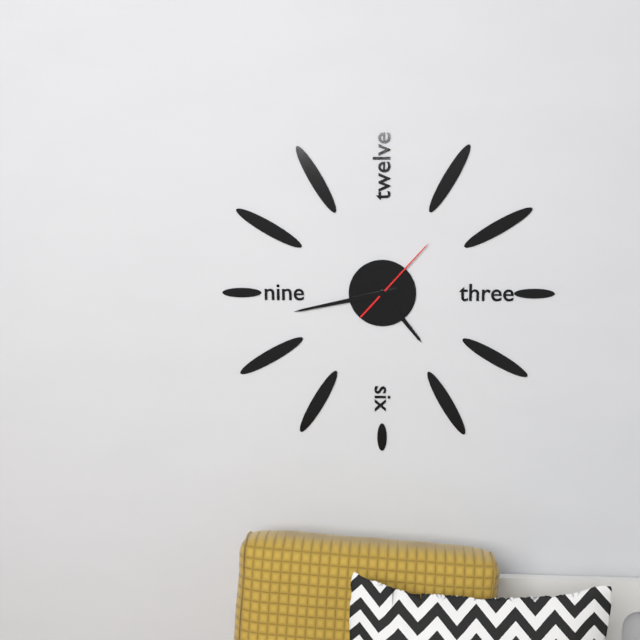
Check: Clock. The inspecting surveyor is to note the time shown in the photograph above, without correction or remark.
4:43:07
